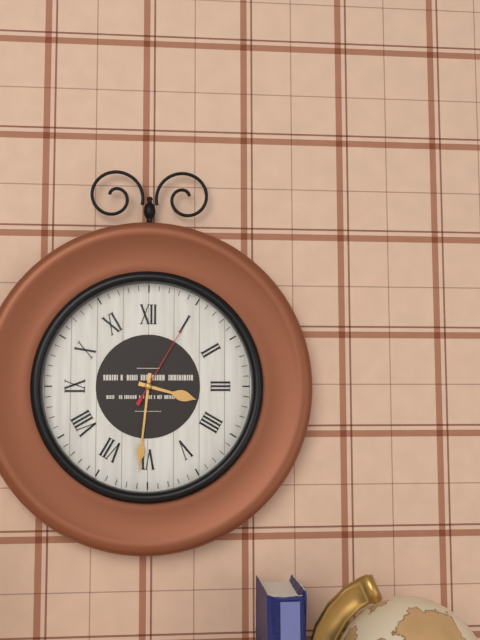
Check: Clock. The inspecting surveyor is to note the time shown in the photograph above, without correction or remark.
3:31:05
